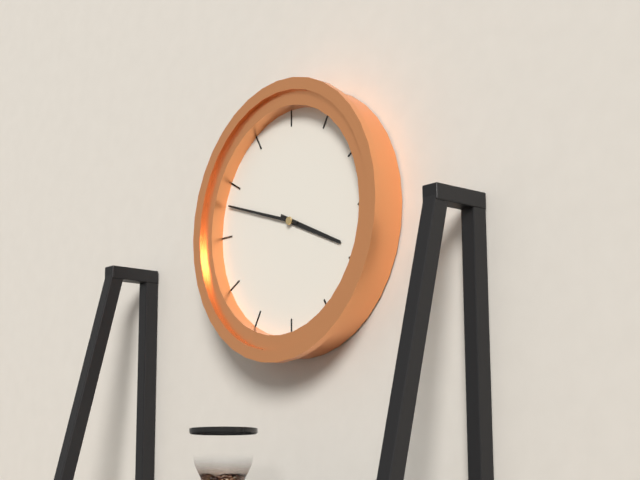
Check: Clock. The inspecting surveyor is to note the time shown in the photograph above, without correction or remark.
3:48
